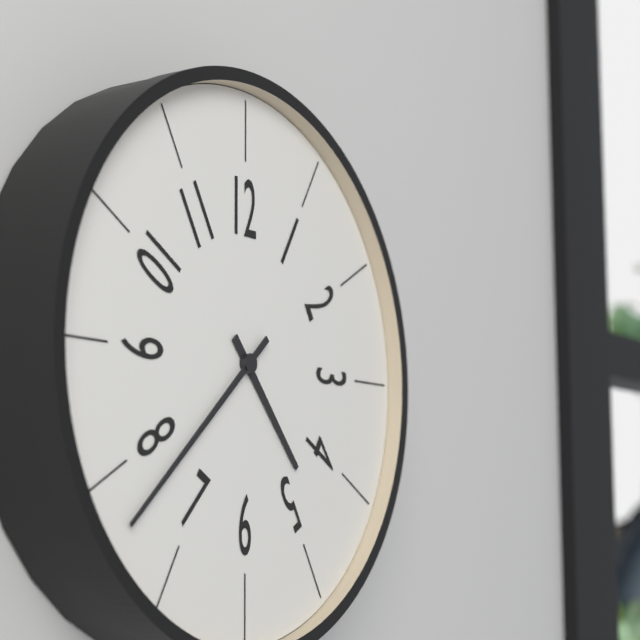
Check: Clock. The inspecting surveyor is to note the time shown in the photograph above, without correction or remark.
4:38
